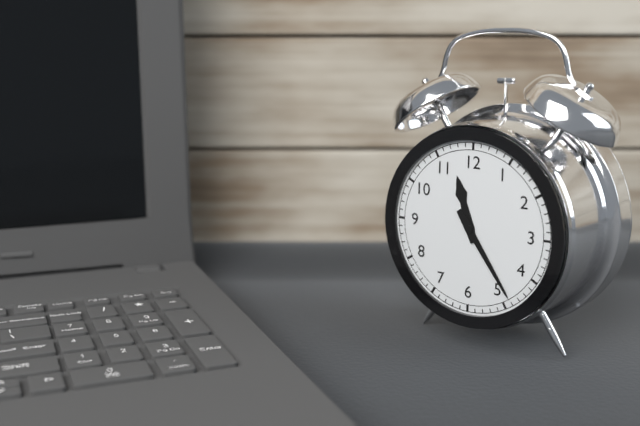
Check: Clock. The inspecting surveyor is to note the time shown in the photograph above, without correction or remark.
11:24
